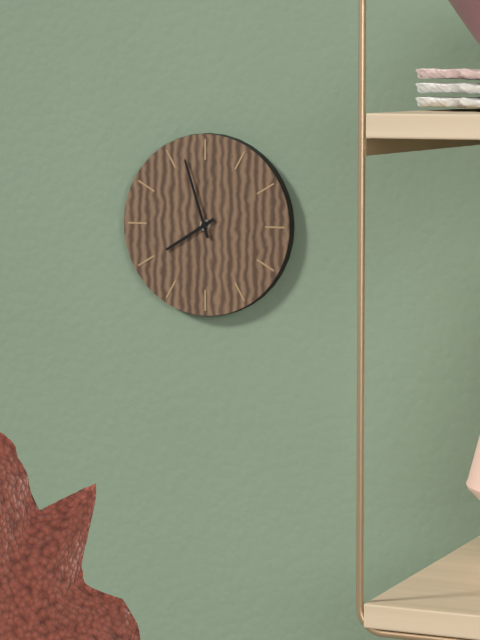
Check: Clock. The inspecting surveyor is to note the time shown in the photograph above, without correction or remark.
7:57
